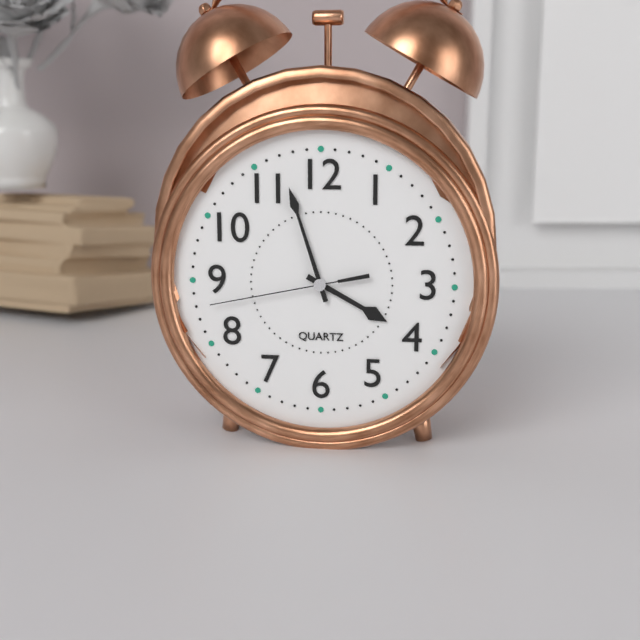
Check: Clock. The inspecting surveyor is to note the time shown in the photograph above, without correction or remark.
3:57:43
